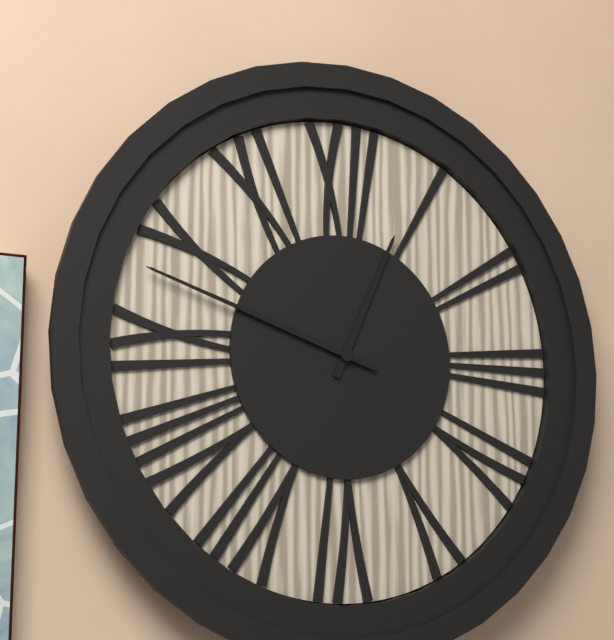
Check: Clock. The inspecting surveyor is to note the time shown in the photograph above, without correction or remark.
12:48
